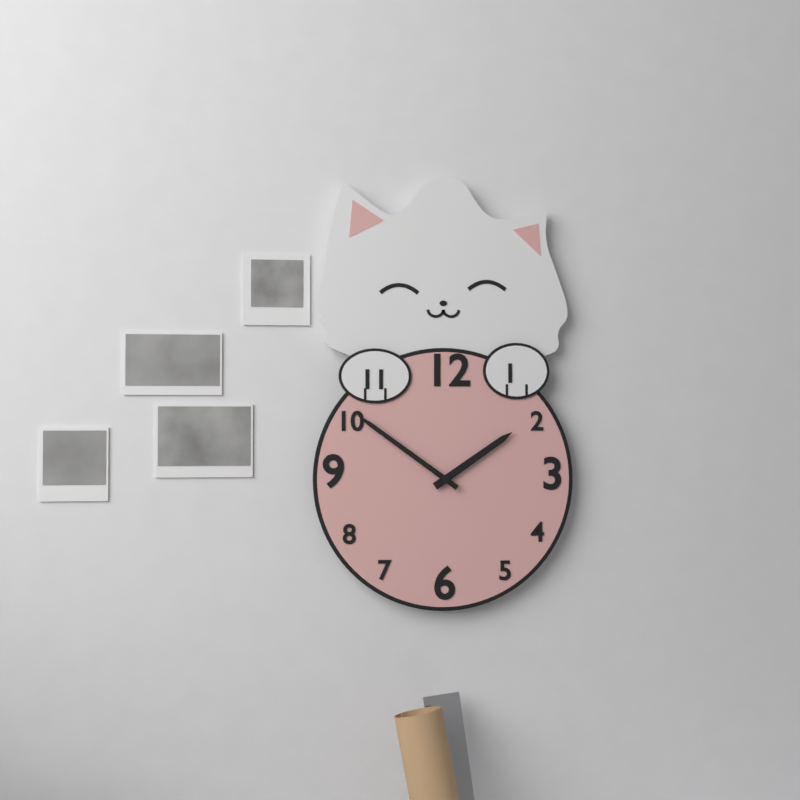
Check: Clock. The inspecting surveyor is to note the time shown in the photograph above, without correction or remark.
1:51
